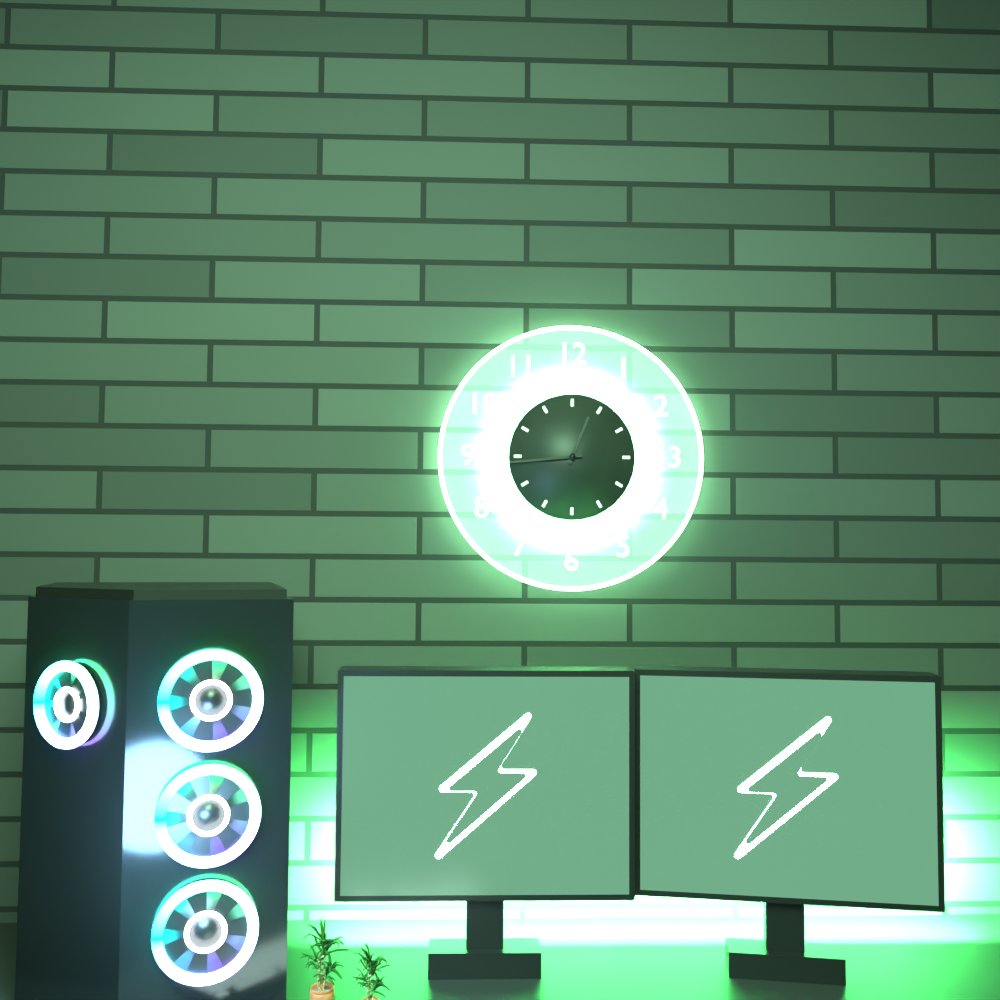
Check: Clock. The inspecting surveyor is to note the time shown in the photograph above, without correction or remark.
12:44
